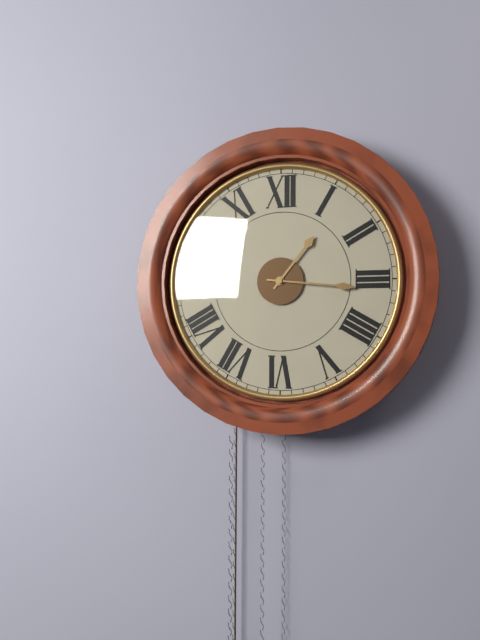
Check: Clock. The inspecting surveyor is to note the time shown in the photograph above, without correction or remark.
1:16
